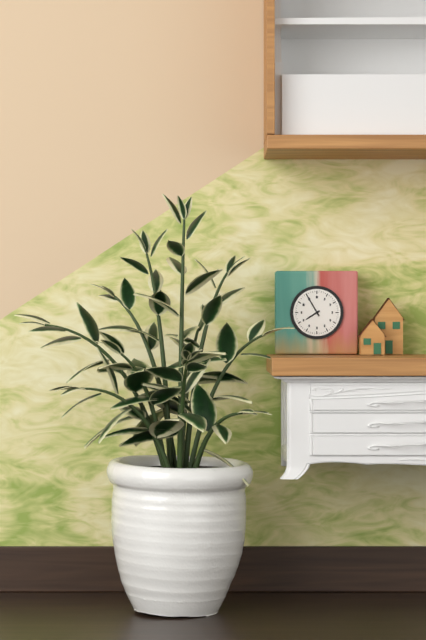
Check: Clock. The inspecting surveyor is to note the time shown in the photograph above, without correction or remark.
7:55
